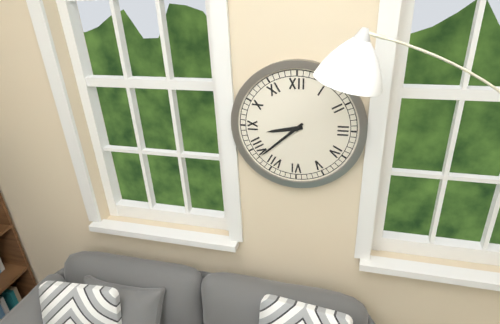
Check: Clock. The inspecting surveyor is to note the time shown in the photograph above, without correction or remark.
8:38
